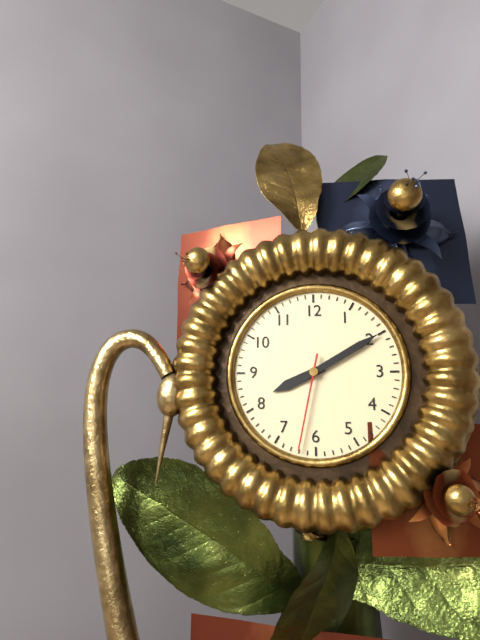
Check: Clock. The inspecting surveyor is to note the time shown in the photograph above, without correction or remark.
8:10:32
